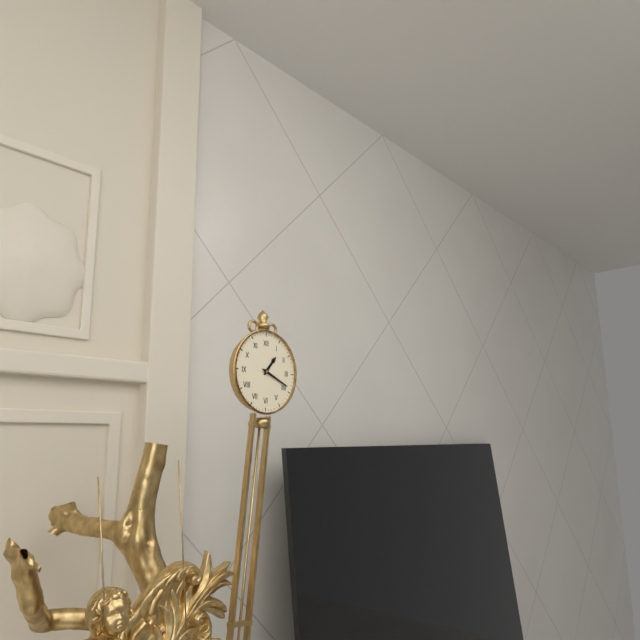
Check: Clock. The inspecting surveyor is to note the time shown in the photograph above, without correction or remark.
1:19
